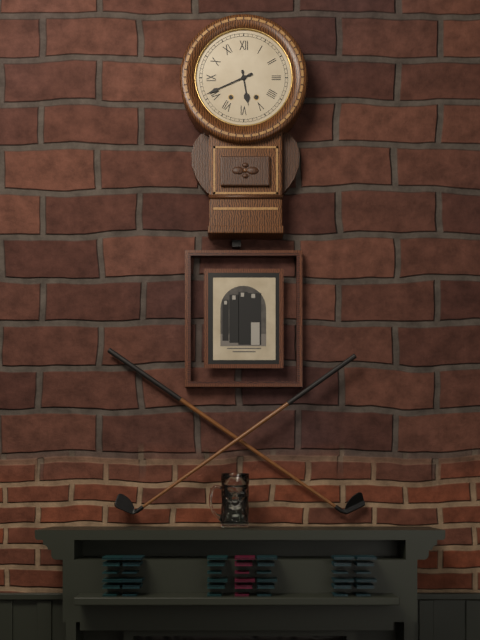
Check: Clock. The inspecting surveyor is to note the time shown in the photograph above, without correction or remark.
5:41
